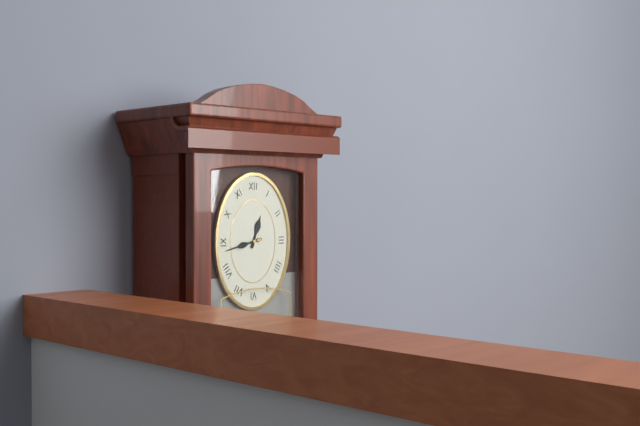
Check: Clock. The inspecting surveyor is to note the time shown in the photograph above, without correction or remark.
12:43
